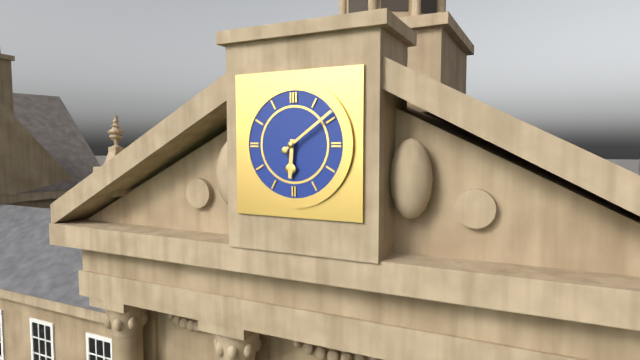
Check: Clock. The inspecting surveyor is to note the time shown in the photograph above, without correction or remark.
6:09
